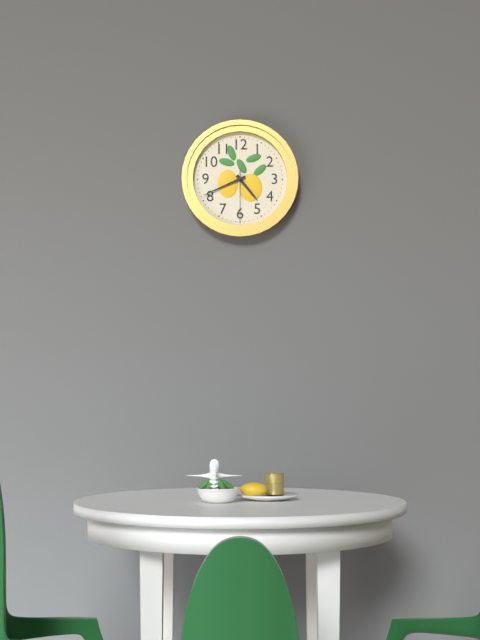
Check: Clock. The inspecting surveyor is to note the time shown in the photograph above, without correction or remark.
4:41:30
